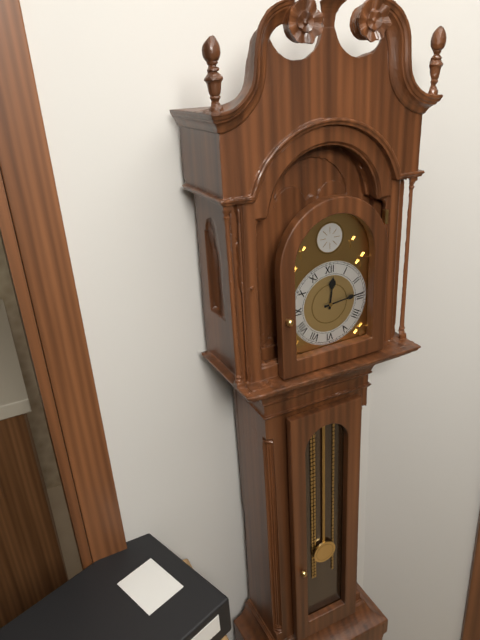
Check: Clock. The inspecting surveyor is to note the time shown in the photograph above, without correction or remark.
12:14
